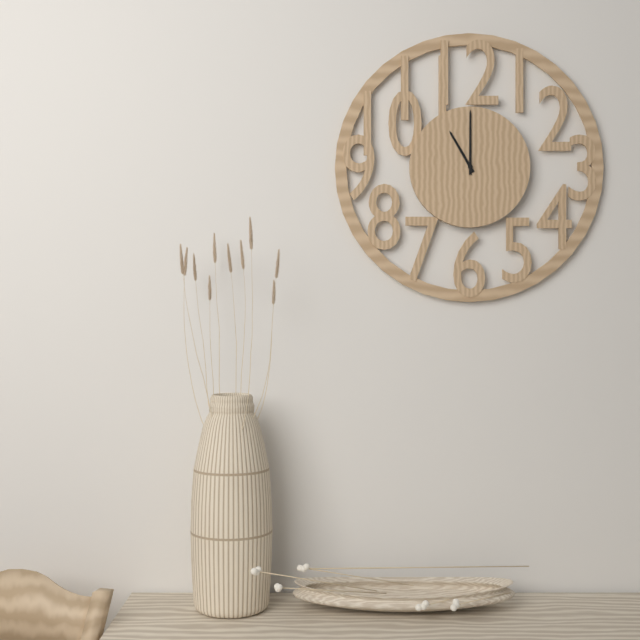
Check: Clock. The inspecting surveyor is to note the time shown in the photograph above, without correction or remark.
11:00
